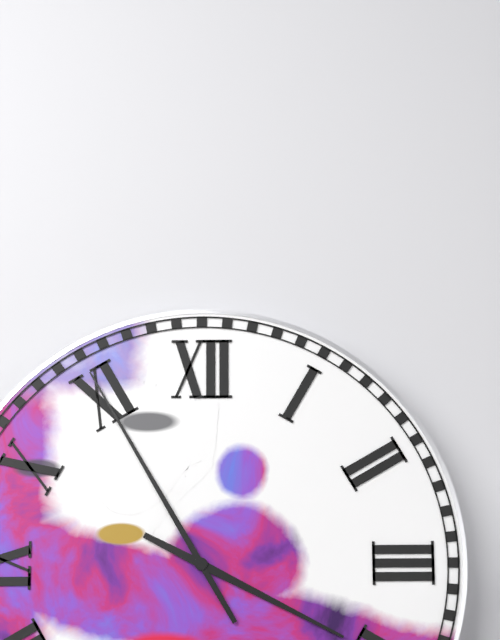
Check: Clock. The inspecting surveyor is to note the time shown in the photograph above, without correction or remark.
3:55
